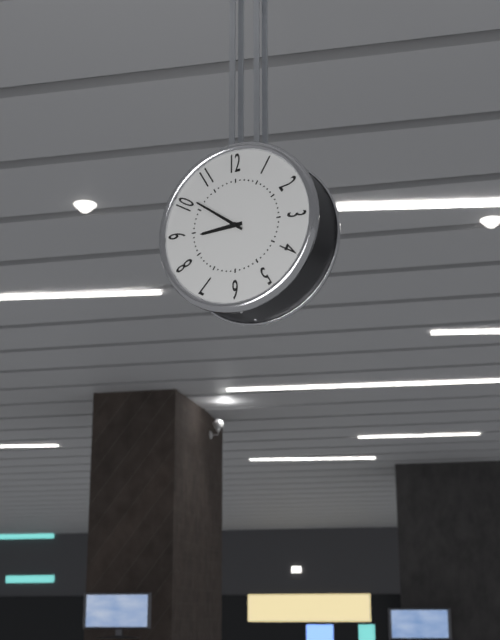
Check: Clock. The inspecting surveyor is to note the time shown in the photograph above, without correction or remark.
8:51
